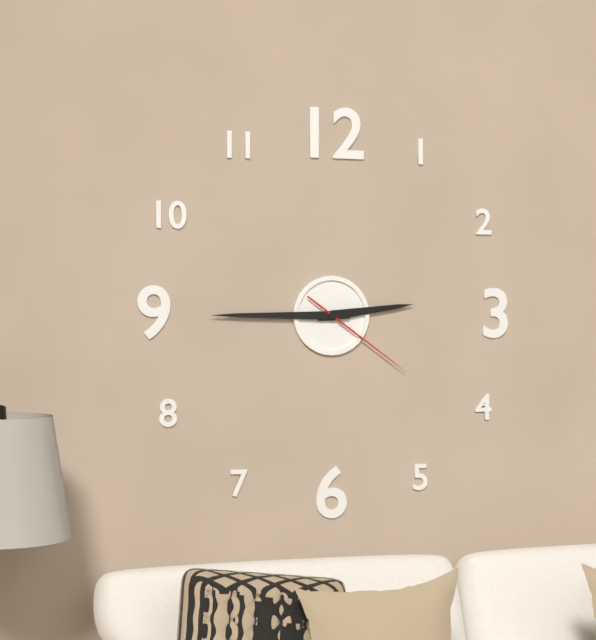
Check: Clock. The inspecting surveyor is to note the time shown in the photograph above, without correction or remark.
2:45:21
